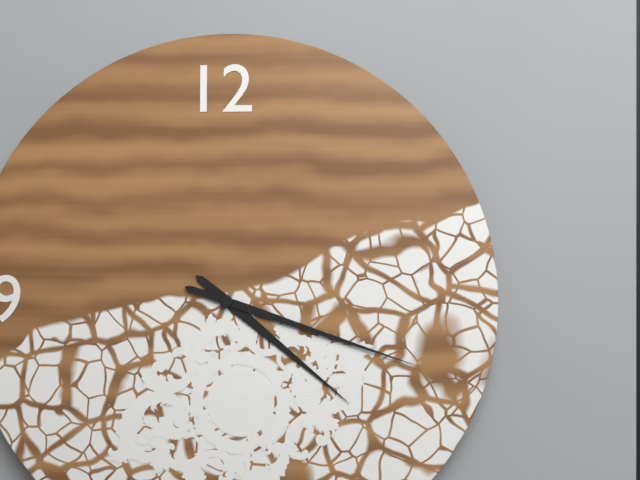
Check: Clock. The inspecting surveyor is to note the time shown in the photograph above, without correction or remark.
4:18
